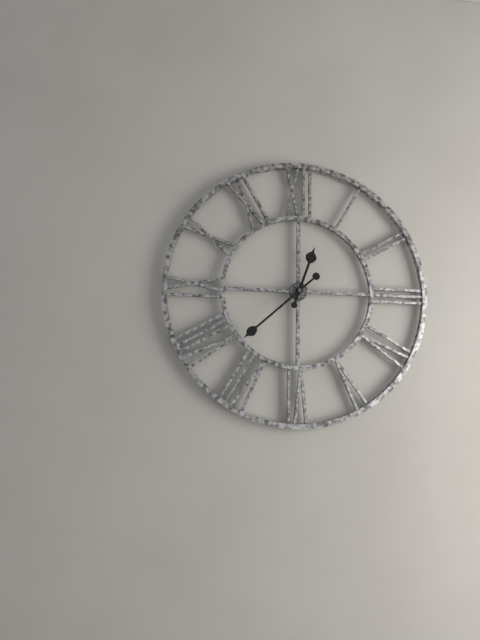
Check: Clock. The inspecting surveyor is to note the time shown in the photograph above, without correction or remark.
12:38
